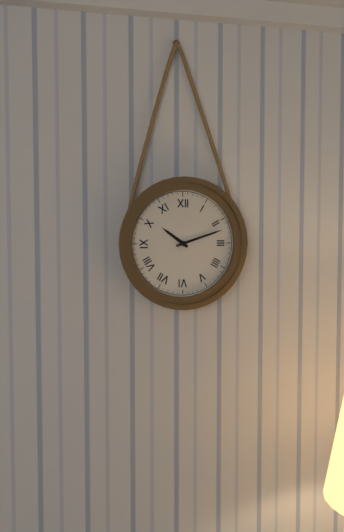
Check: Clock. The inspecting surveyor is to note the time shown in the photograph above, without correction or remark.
10:12
